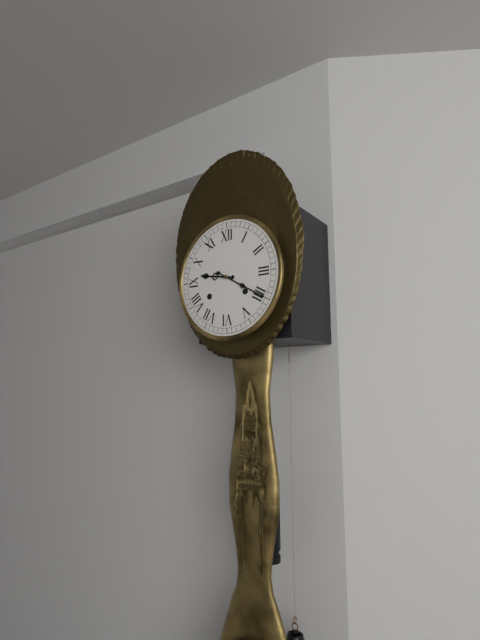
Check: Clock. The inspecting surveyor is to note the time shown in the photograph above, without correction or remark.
9:20
